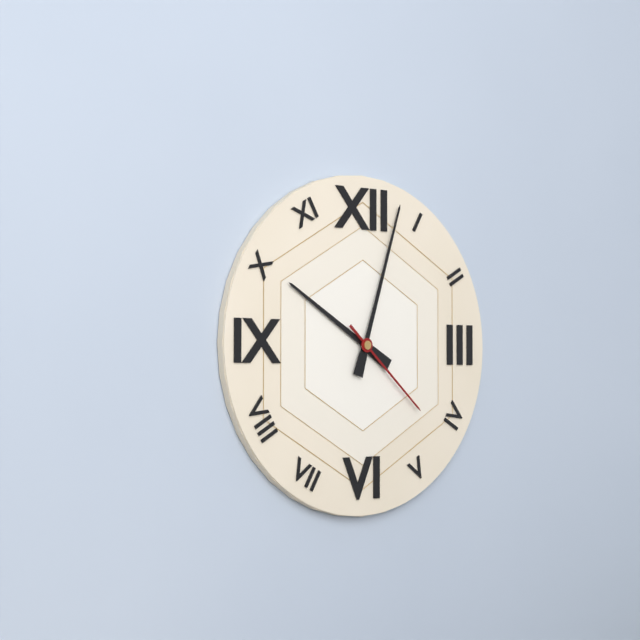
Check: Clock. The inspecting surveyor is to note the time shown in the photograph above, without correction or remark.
10:03:22
